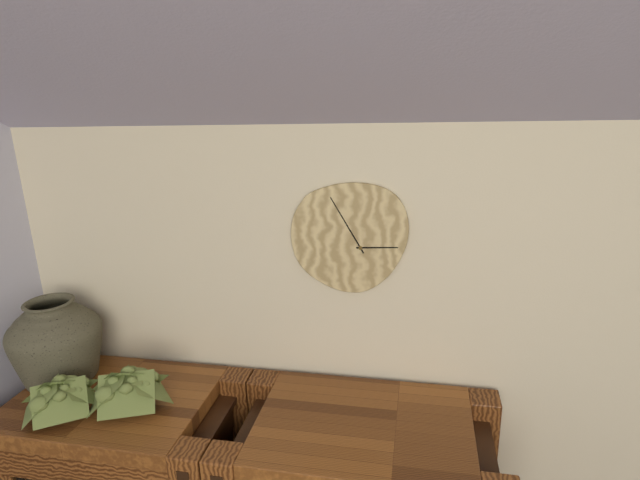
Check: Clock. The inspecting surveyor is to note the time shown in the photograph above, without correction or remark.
2:55
